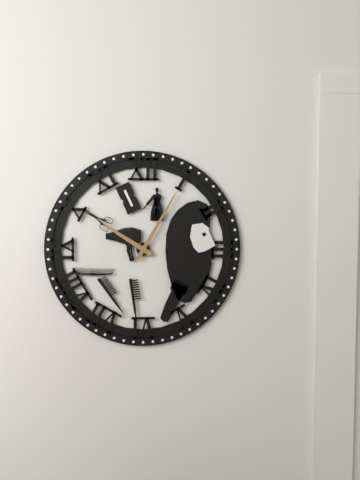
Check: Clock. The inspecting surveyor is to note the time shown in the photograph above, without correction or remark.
10:05
